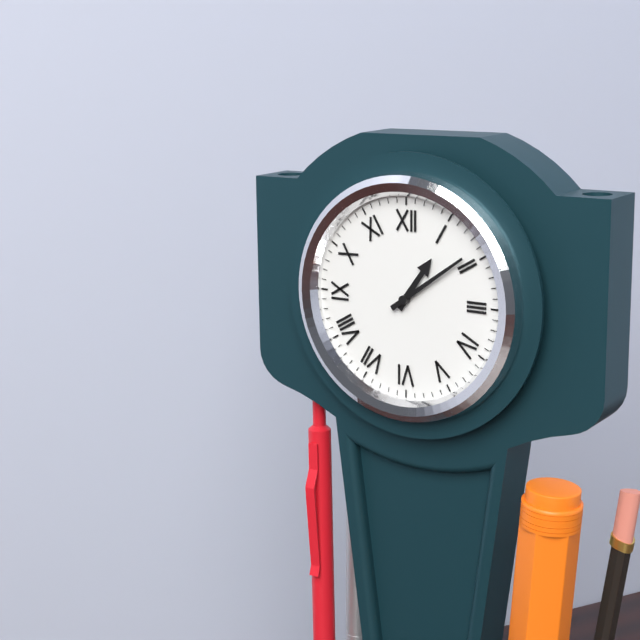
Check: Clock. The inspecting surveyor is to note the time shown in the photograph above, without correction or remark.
1:09
